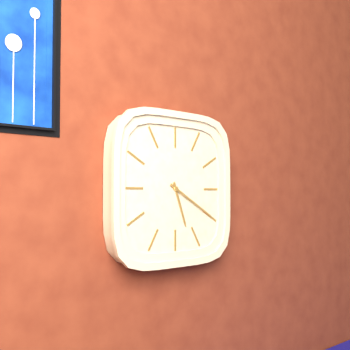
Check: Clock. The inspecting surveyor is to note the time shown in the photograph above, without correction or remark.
5:20
